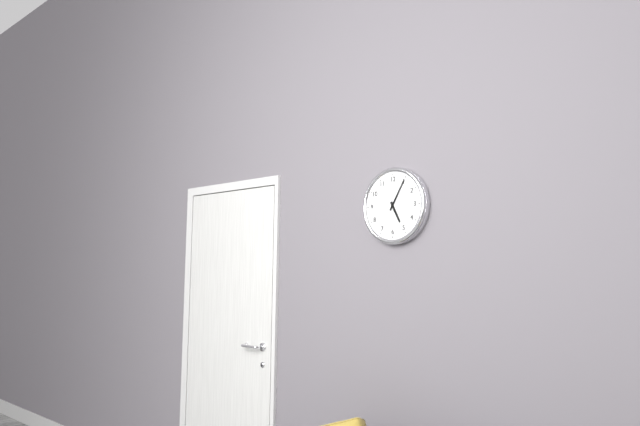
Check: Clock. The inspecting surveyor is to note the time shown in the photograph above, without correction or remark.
5:05
